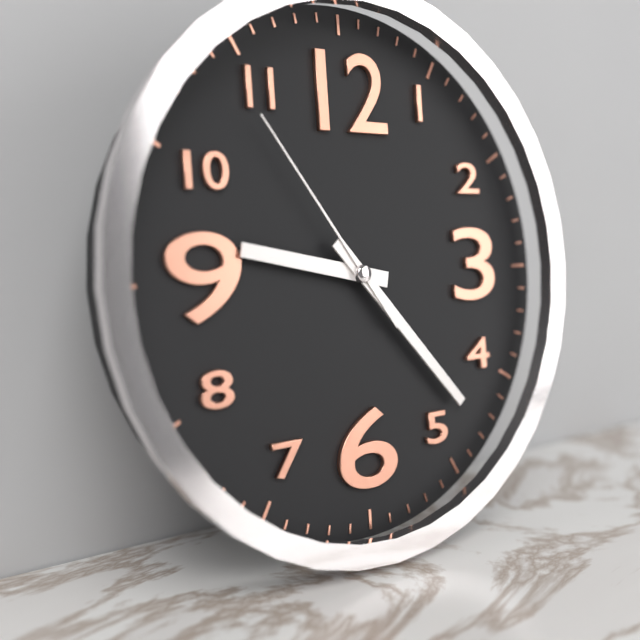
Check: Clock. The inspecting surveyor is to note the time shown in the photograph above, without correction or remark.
9:23:54
